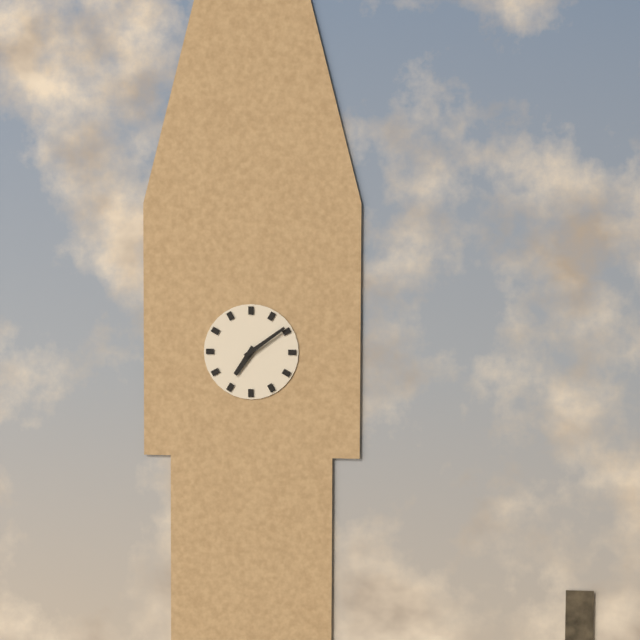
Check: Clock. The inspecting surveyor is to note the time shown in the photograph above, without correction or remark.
7:09
